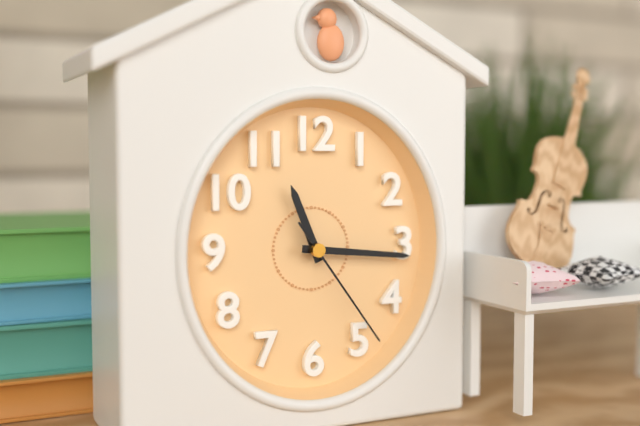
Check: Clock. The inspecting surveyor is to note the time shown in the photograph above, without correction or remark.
11:16:24
